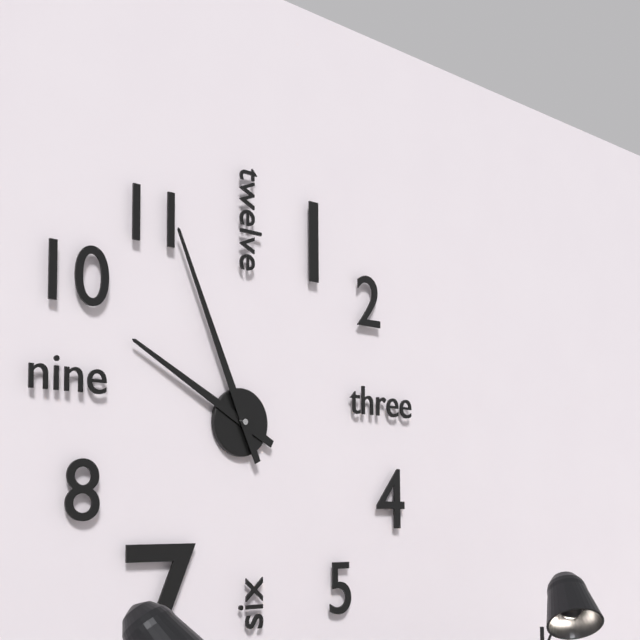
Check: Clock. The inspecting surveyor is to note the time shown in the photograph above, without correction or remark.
9:56
